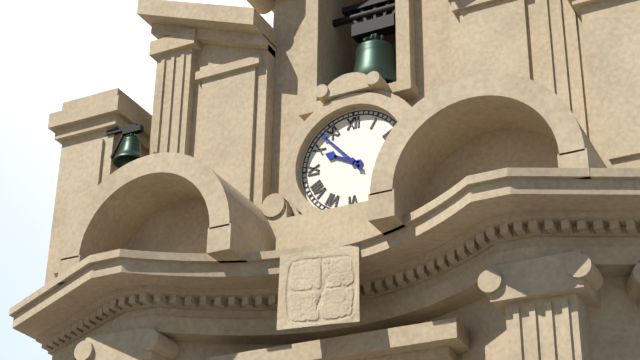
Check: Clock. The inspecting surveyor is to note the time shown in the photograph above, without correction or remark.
9:53
